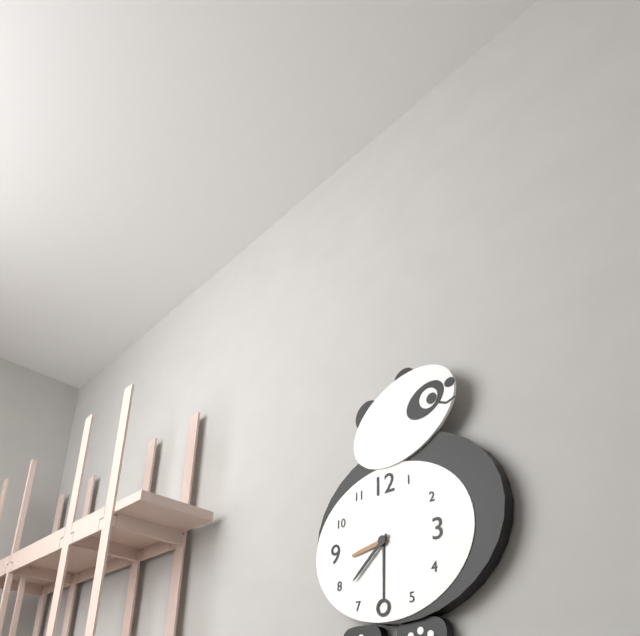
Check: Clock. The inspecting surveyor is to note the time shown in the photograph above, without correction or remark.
8:38
